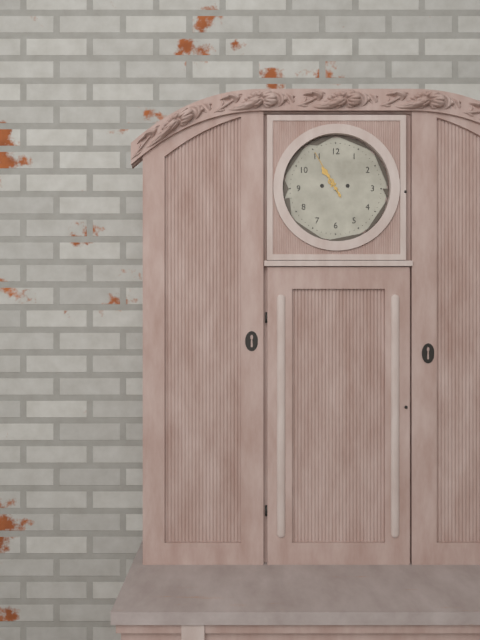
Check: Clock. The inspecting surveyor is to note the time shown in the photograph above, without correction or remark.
10:55
